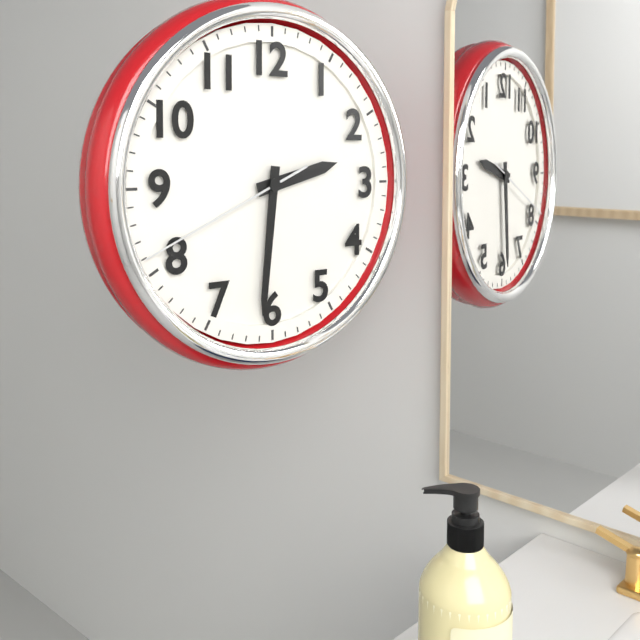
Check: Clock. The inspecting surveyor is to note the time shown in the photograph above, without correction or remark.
2:31:41
